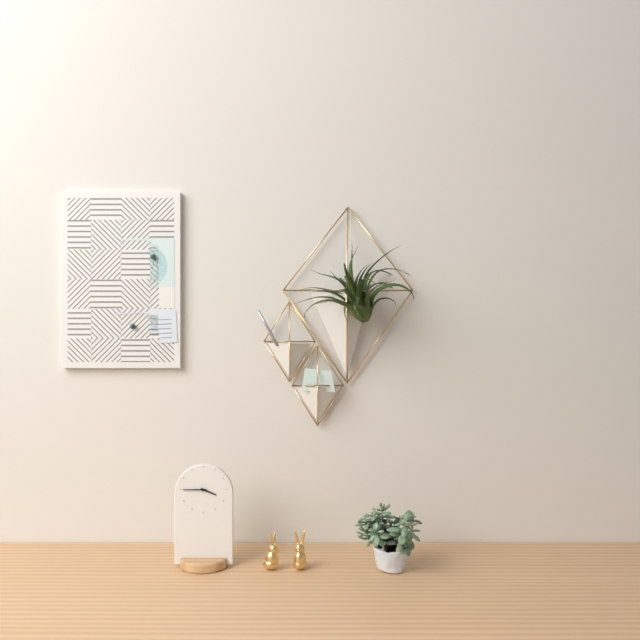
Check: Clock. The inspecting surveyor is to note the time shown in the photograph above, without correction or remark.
3:45
